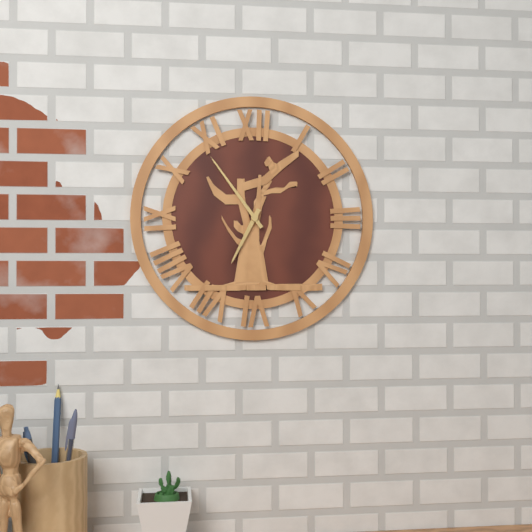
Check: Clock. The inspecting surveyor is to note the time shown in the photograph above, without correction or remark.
6:54
